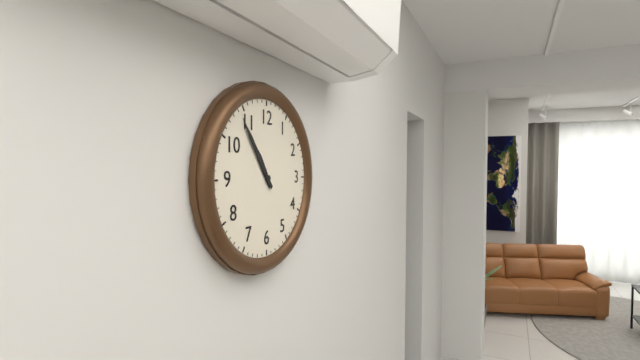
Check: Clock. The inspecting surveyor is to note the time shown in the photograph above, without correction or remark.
10:54
